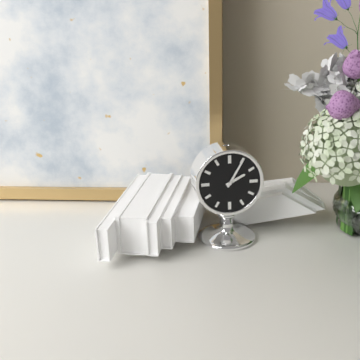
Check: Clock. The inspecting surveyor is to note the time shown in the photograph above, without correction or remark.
2:05
